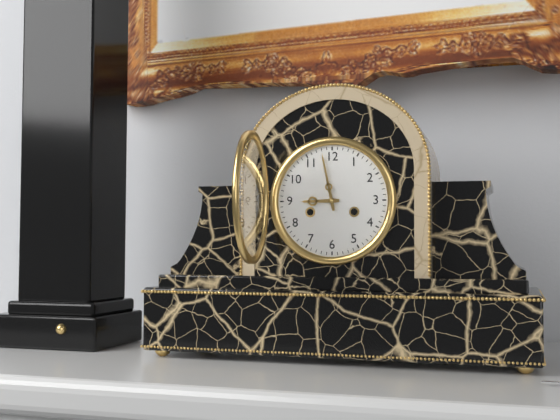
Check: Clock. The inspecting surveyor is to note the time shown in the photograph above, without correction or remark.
8:58
